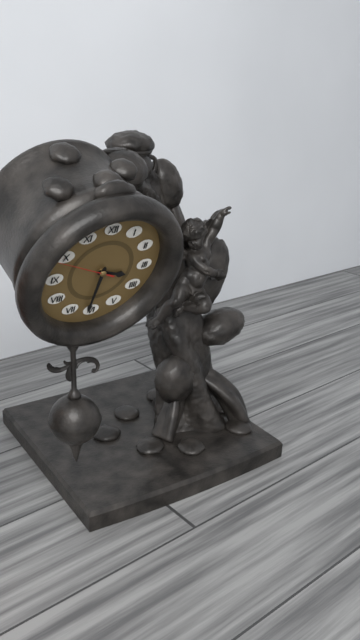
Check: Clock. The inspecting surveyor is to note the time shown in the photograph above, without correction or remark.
3:31:49
